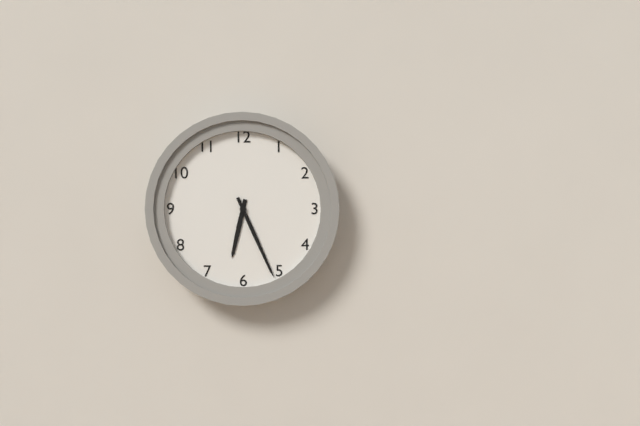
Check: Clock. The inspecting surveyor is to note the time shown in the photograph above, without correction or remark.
6:26
